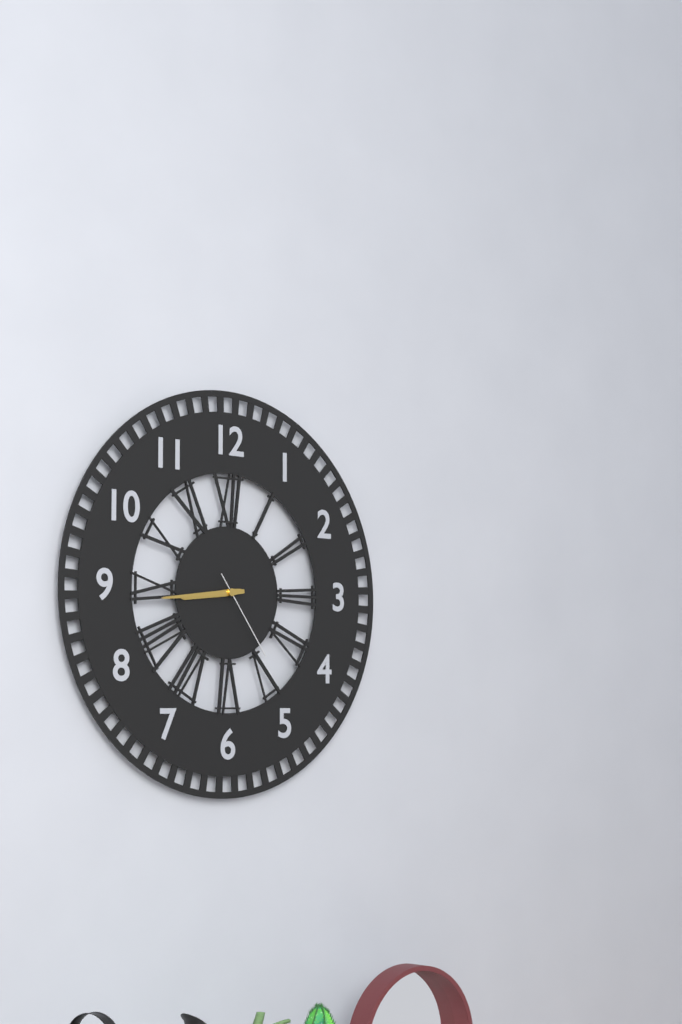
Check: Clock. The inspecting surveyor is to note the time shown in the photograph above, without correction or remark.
8:44:24
